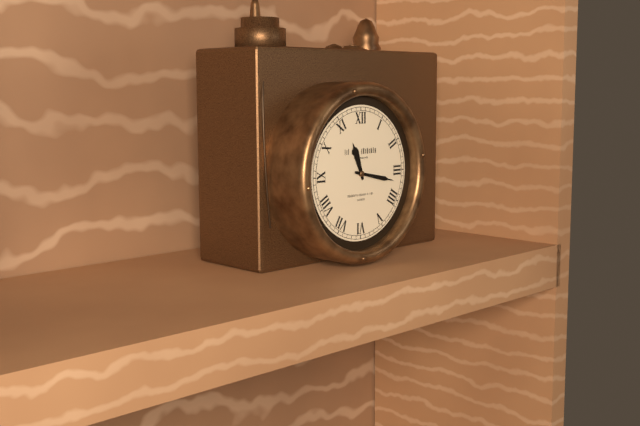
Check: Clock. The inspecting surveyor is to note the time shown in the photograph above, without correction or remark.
11:17
